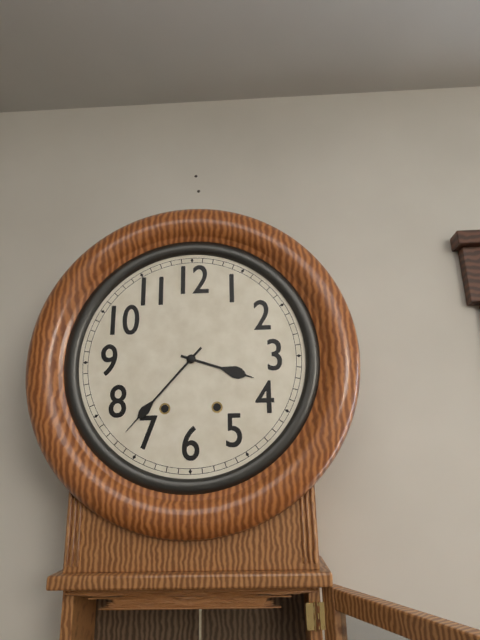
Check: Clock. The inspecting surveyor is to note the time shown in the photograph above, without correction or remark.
3:37
